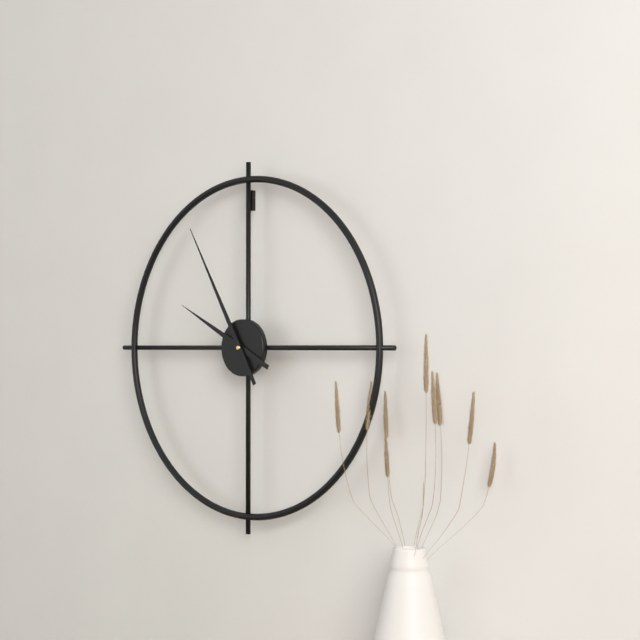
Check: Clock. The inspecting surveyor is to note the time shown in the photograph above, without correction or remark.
9:55
